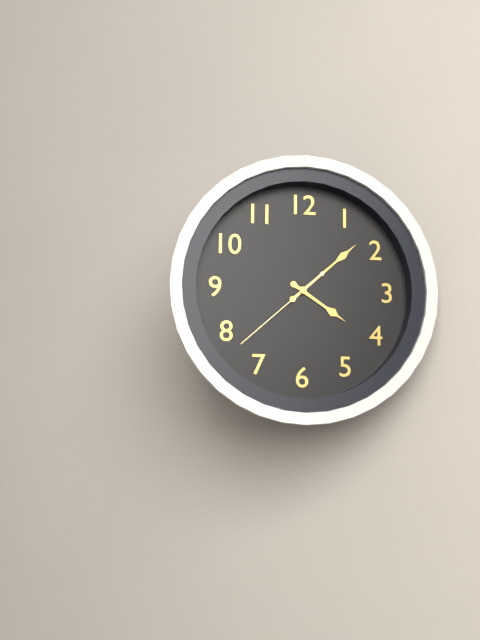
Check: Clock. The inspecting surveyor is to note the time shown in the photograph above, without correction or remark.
4:08:38
